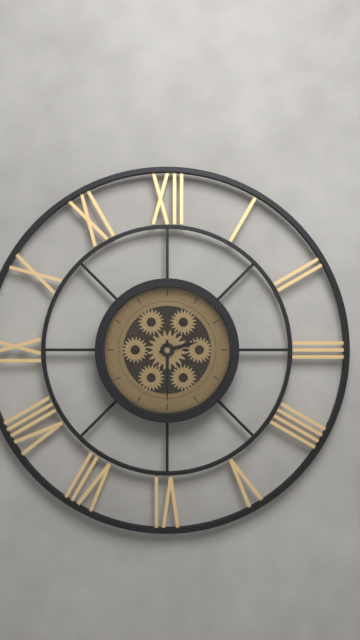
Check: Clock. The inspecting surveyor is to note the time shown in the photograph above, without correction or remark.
2:30
